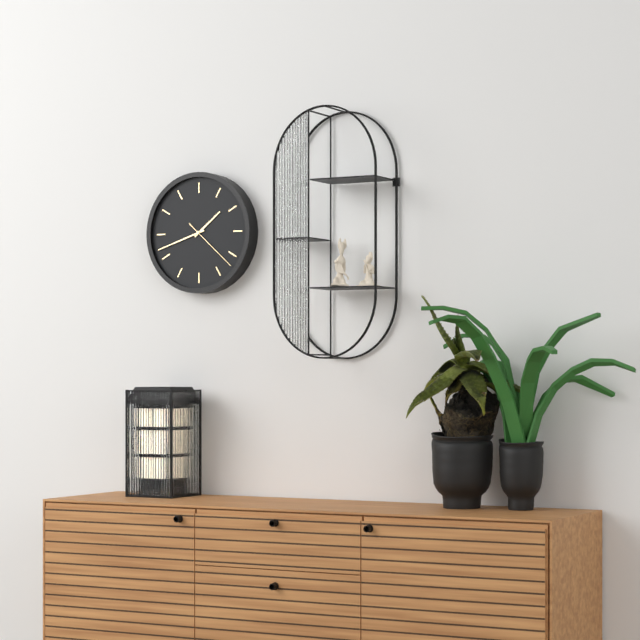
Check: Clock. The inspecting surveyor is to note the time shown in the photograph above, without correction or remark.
1:42:22
